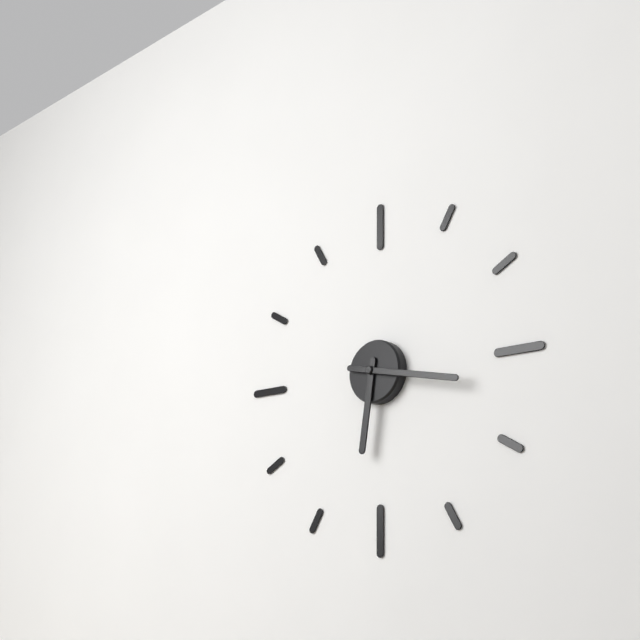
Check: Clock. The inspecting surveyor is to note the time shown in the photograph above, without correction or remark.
6:17
